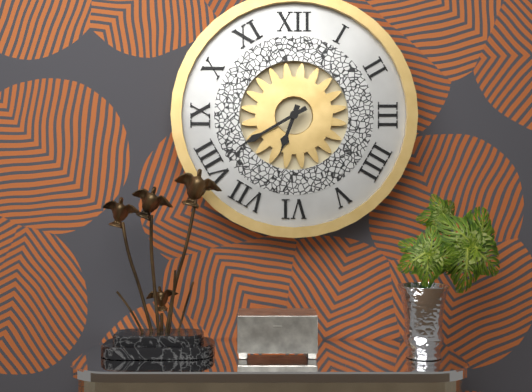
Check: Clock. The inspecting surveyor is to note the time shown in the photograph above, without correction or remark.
6:40
